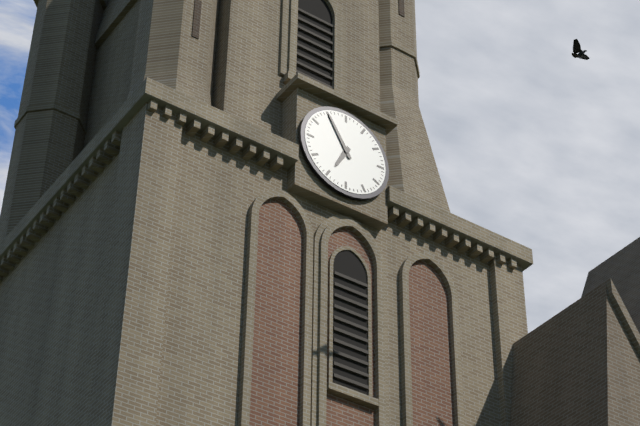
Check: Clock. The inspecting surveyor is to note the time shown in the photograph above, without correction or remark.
6:55
